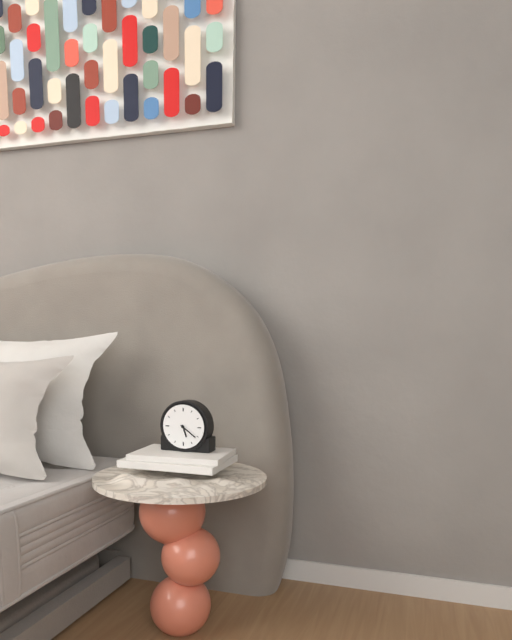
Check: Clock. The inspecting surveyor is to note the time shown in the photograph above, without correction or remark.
5:21
